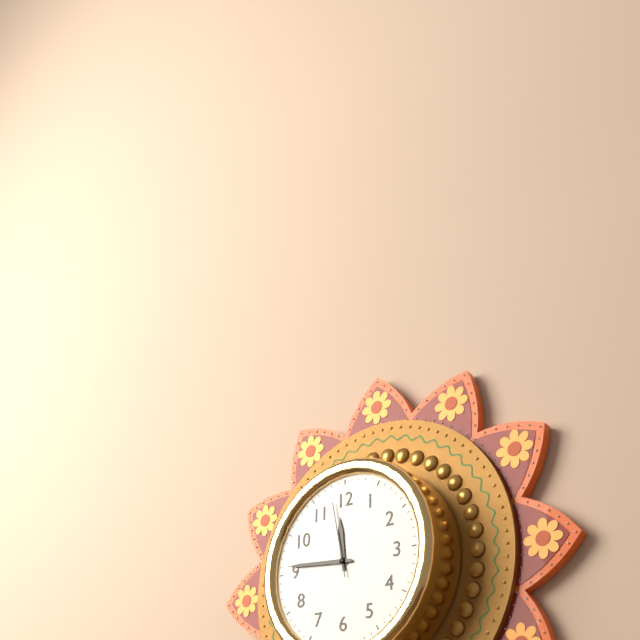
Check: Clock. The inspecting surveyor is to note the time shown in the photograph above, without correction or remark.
11:46:58
